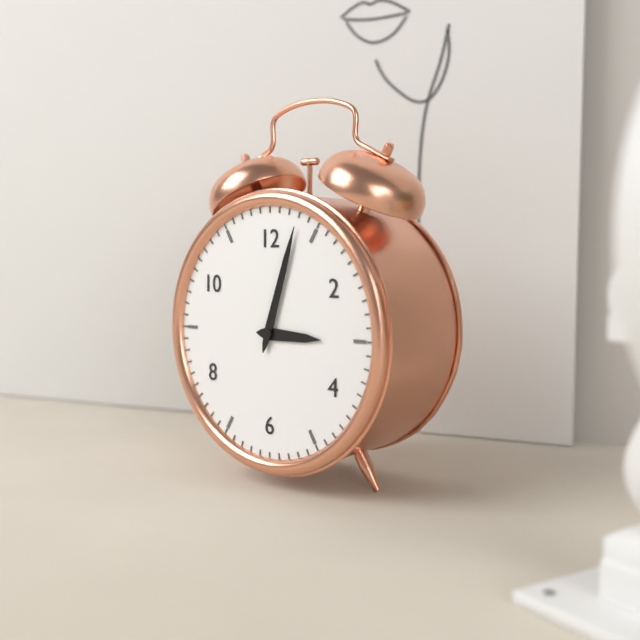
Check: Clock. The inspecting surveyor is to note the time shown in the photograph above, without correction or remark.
3:03
